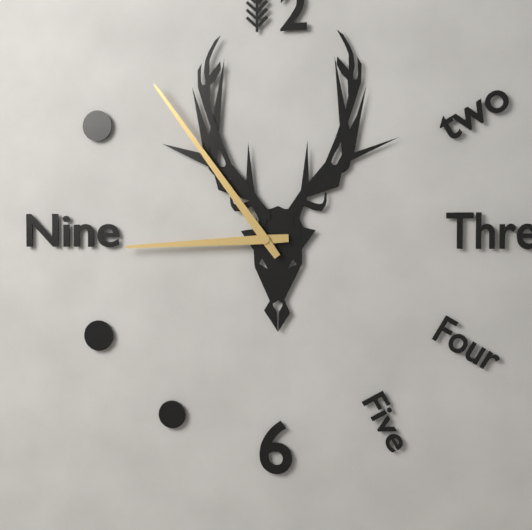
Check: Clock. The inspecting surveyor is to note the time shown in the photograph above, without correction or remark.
8:54
